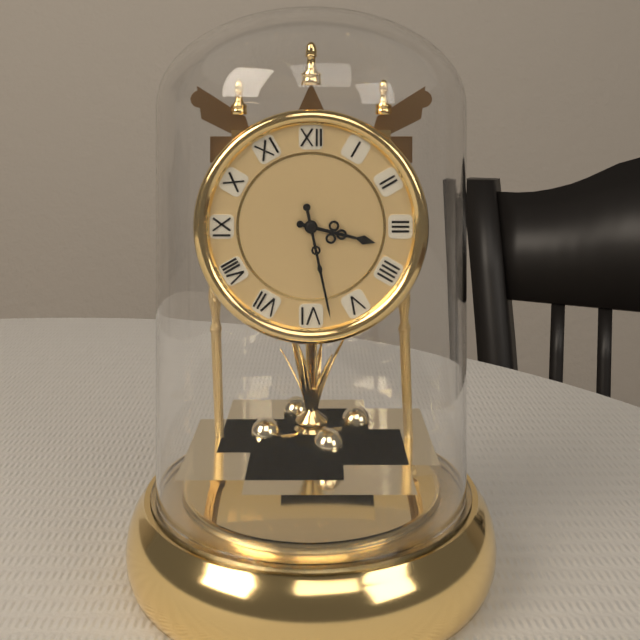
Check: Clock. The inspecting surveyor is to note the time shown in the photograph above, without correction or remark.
3:28
